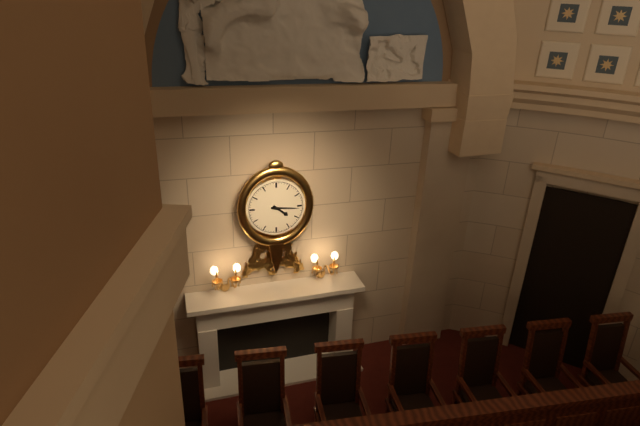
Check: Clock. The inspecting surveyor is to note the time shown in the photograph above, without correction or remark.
4:16
